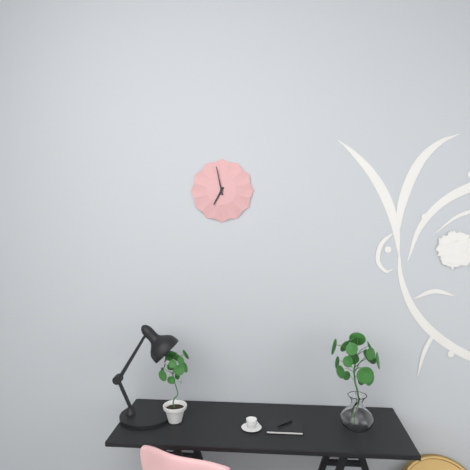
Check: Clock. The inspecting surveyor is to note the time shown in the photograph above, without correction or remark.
6:58
